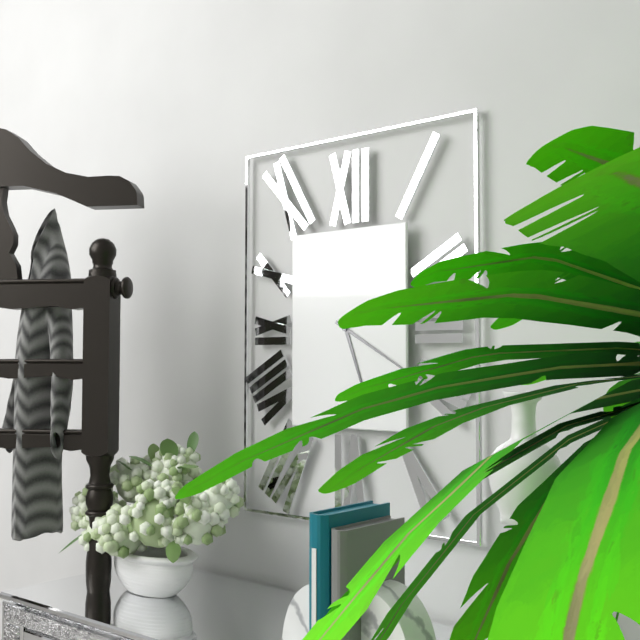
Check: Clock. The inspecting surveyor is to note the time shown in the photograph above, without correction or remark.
5:20
